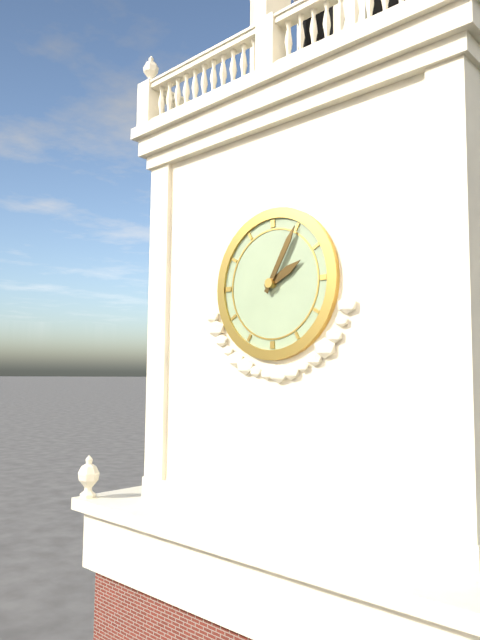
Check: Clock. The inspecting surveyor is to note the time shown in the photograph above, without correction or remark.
2:05
